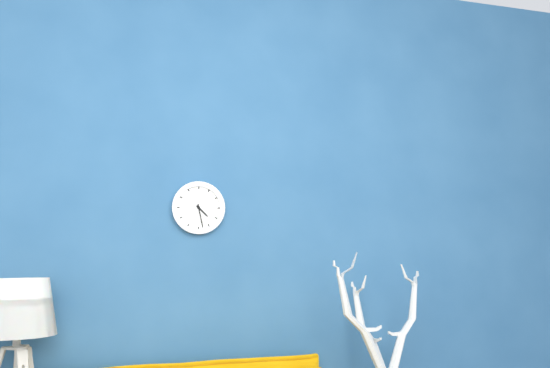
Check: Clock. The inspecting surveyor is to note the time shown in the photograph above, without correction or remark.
4:28
